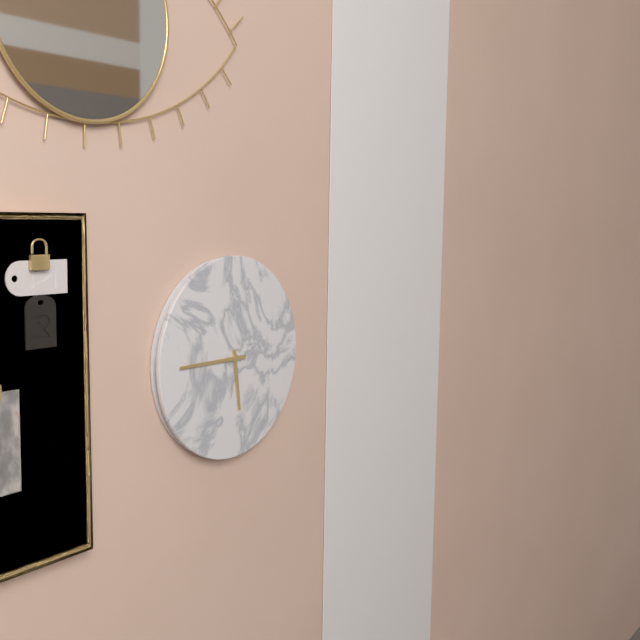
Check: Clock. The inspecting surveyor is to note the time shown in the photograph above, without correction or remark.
5:45
